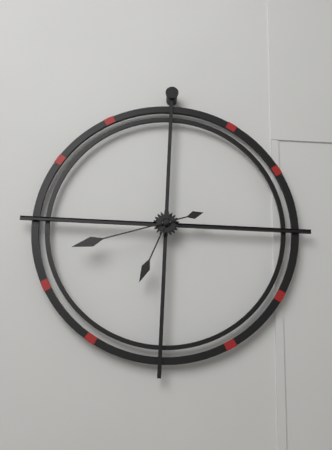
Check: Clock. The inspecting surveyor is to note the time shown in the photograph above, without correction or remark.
6:42
